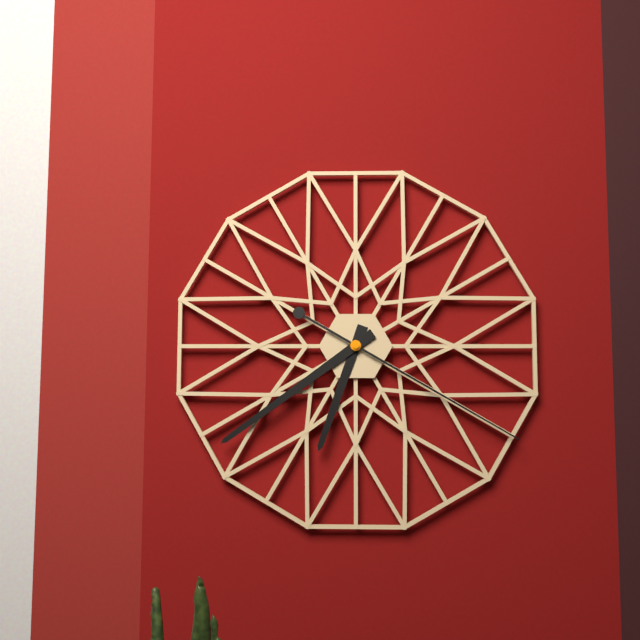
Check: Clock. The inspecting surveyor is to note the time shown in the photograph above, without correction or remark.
6:39:20
